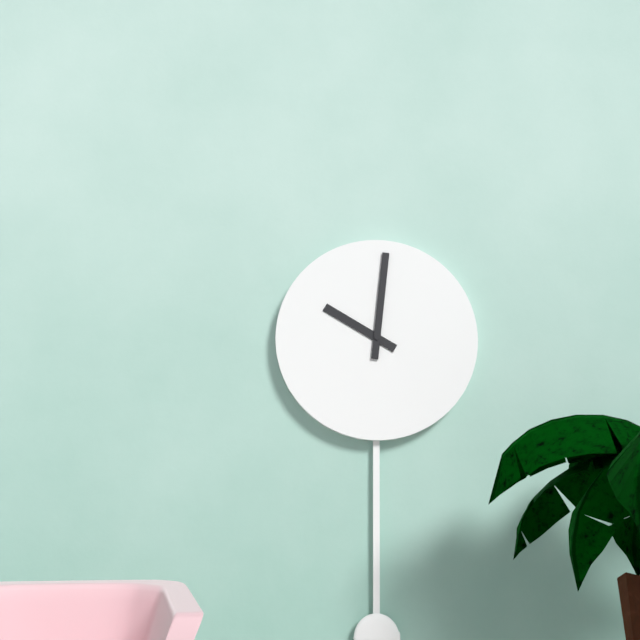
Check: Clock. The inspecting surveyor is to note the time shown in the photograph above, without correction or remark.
10:01
